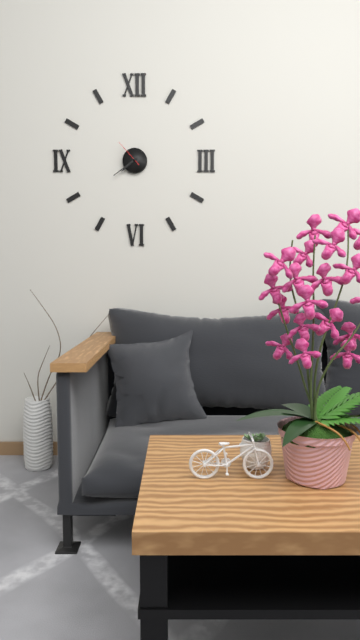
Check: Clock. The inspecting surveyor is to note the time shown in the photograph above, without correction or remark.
7:39
